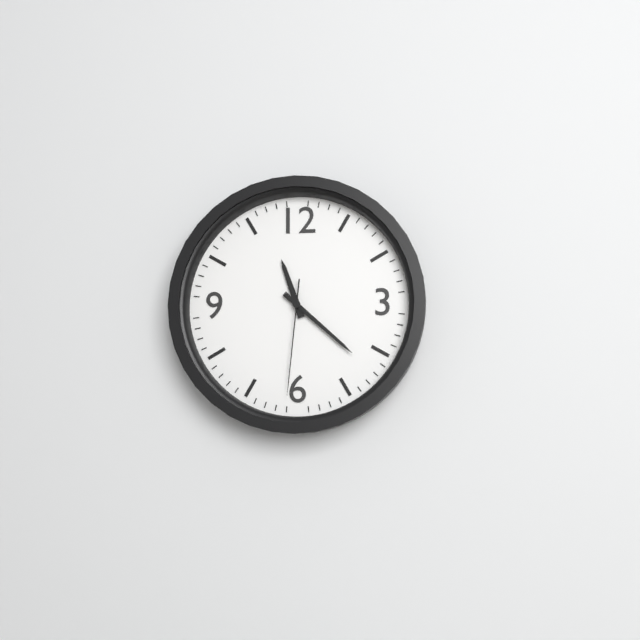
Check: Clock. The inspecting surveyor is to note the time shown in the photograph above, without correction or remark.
11:22:31
